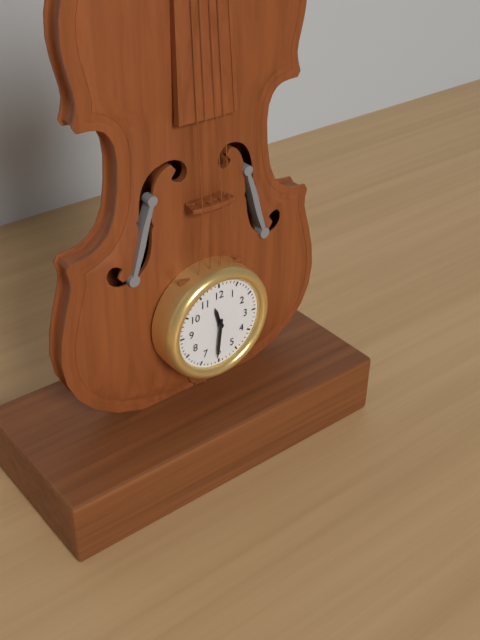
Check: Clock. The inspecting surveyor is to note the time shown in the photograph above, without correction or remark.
11:31
